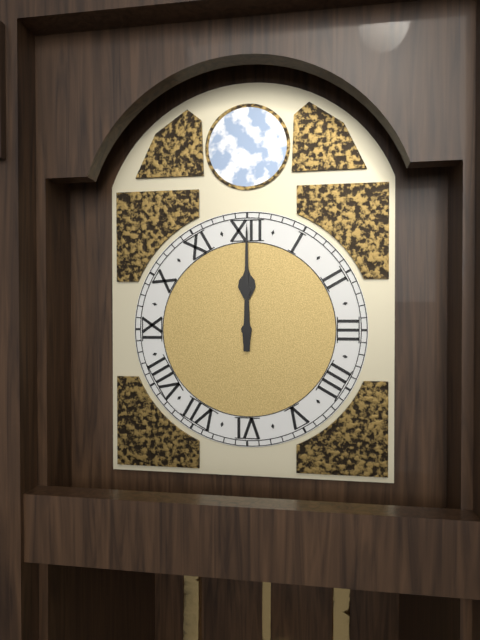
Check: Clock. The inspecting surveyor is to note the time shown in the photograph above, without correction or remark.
12:00
